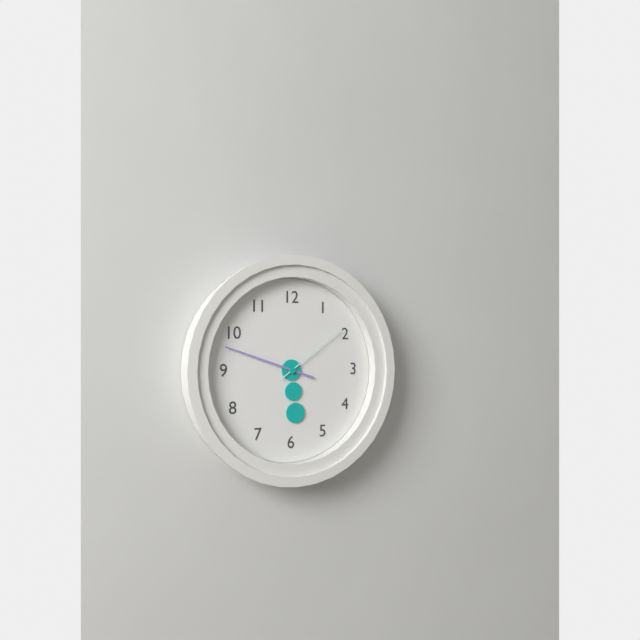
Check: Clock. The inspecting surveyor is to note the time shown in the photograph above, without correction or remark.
5:48:09
